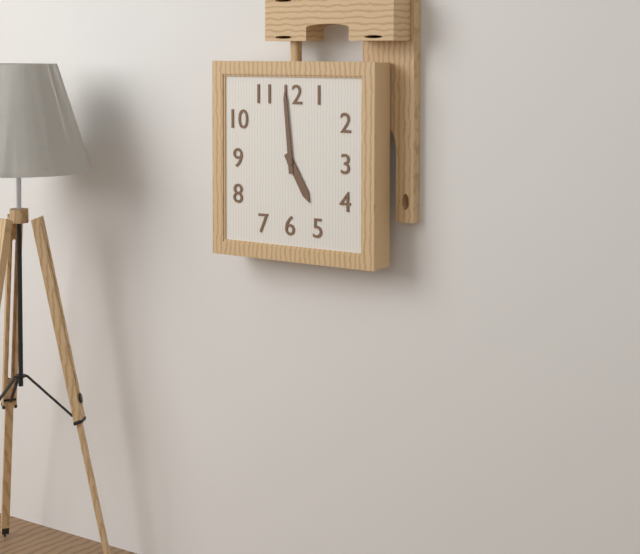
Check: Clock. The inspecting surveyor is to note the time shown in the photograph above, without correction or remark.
4:59
